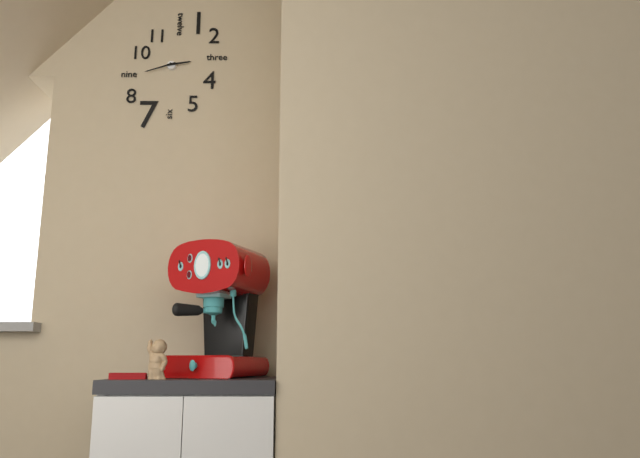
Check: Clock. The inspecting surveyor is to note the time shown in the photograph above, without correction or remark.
2:42
